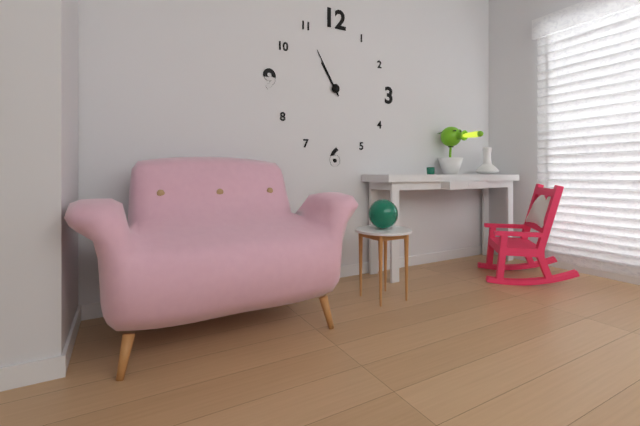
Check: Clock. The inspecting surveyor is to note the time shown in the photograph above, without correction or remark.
10:55
